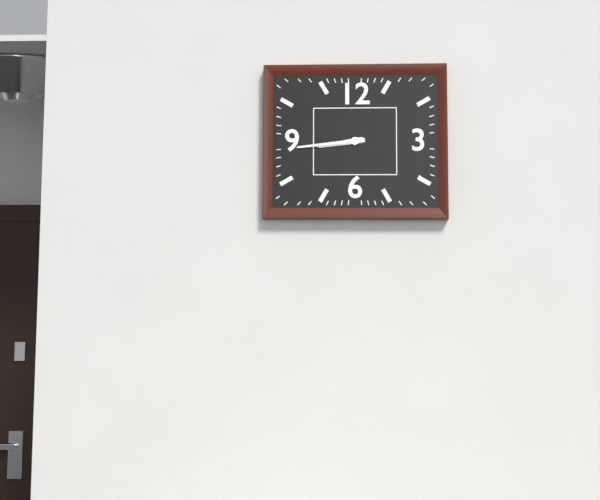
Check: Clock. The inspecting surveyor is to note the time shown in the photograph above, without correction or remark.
8:44
